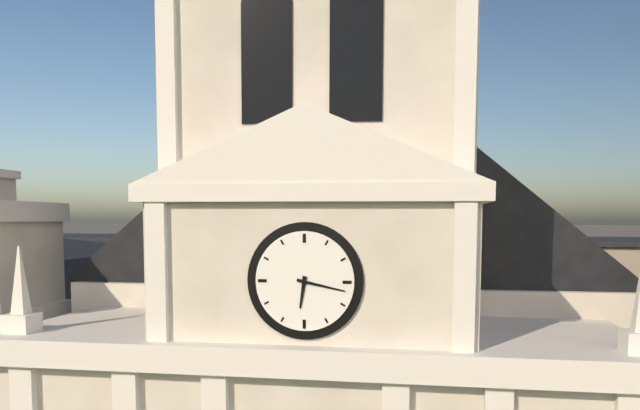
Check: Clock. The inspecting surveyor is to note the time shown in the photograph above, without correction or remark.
6:17
